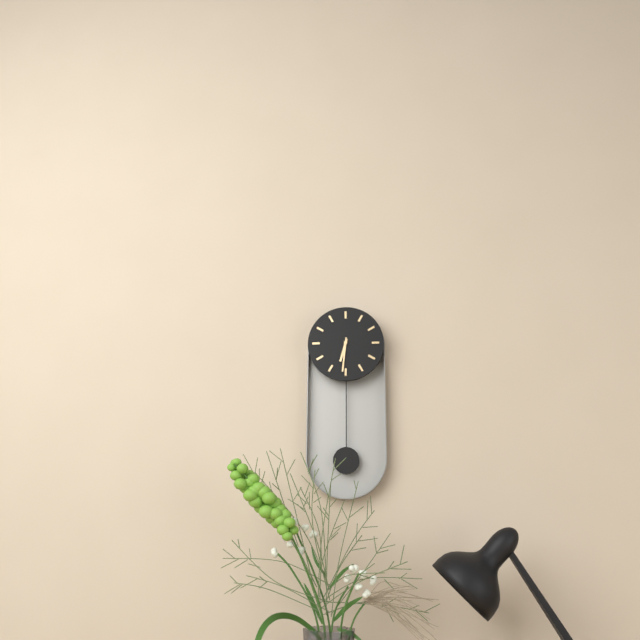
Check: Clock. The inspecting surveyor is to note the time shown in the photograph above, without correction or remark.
6:31
